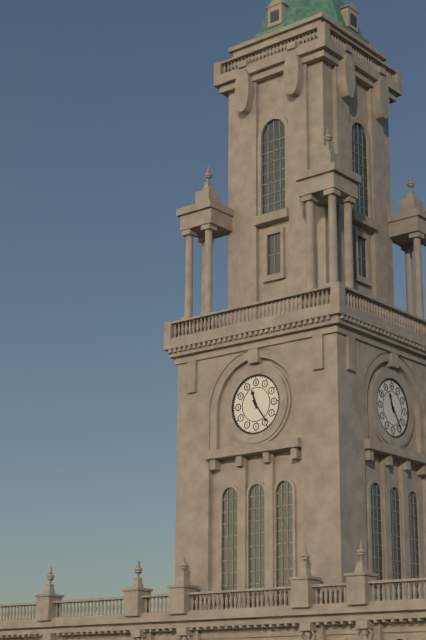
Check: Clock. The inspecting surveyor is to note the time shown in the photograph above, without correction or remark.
11:24
